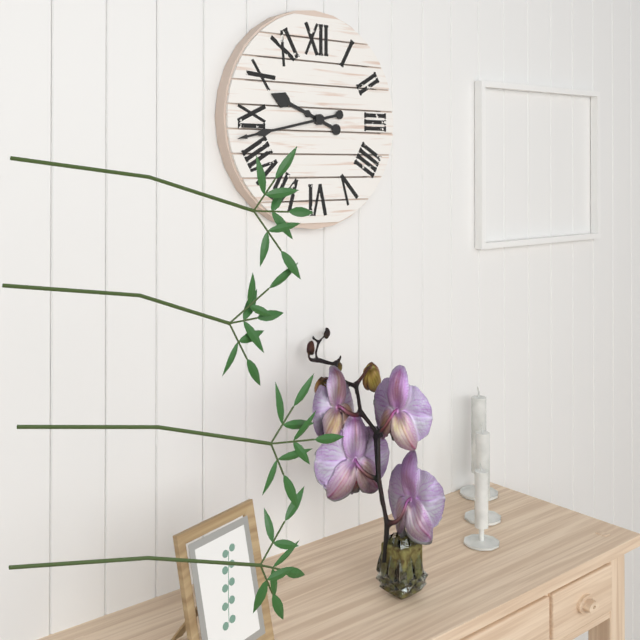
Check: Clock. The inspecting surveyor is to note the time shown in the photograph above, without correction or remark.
9:43
